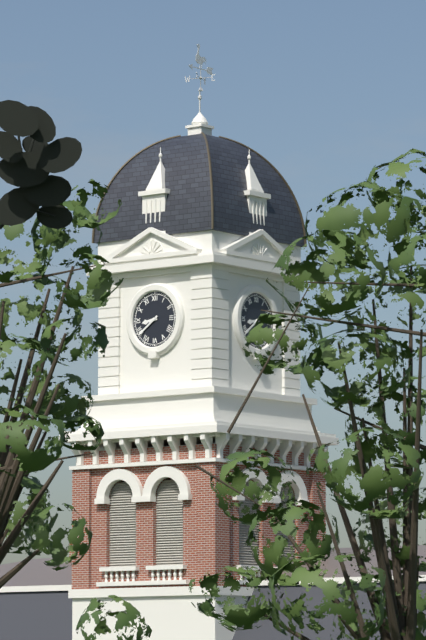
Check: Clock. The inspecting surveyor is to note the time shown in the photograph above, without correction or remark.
8:39
